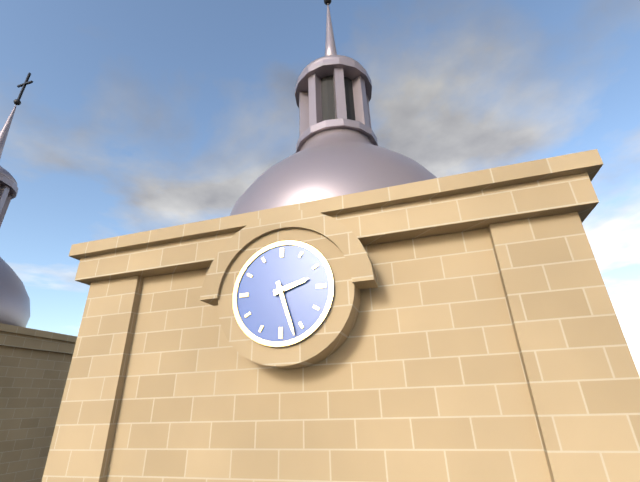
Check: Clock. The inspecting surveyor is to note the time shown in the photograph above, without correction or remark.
2:27
